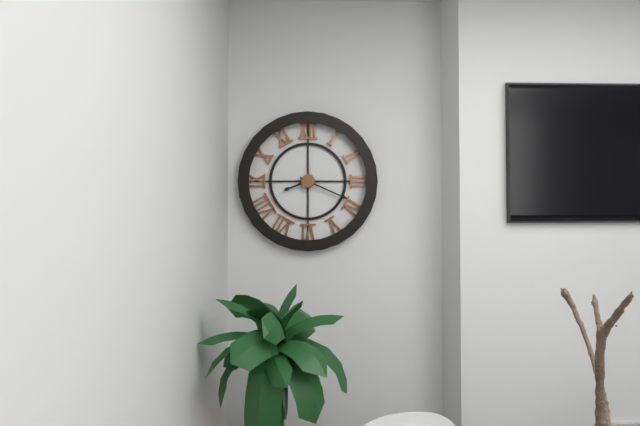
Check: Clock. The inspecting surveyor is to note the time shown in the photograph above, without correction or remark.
8:19
